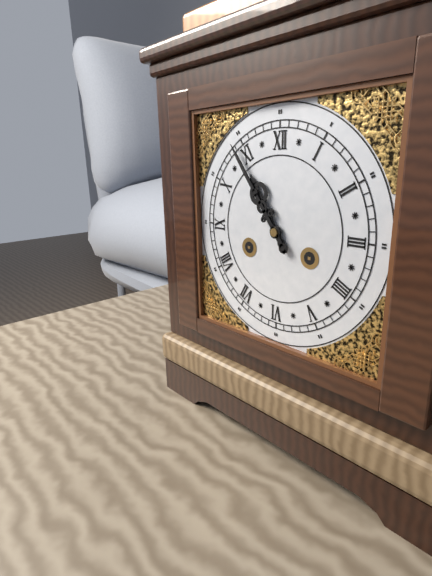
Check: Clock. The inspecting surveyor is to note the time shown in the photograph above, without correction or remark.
10:54
